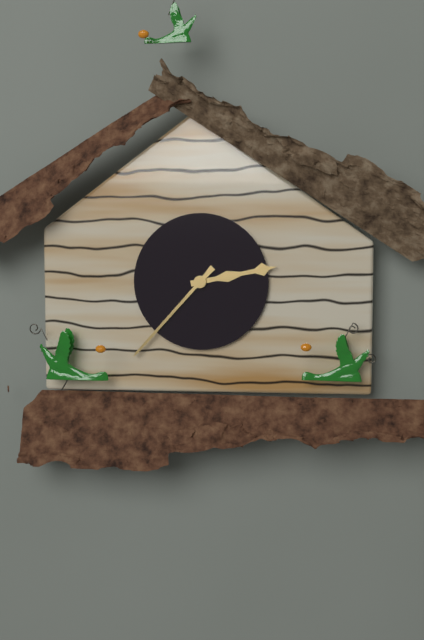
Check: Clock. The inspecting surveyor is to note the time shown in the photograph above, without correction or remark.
2:37
